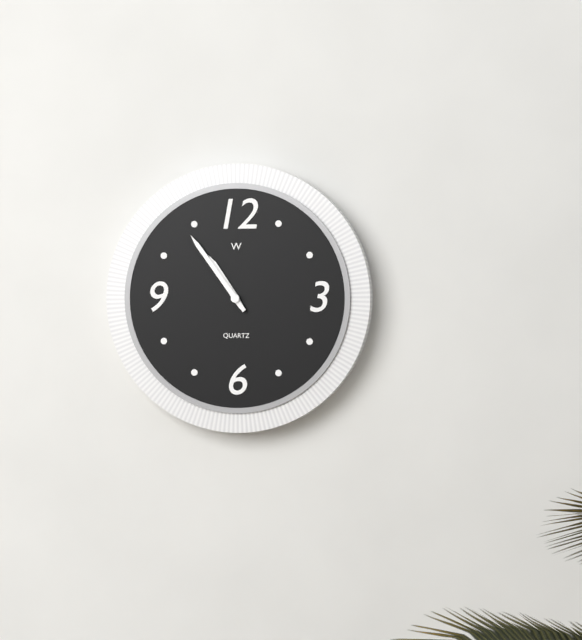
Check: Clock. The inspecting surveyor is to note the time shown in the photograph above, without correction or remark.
10:54
